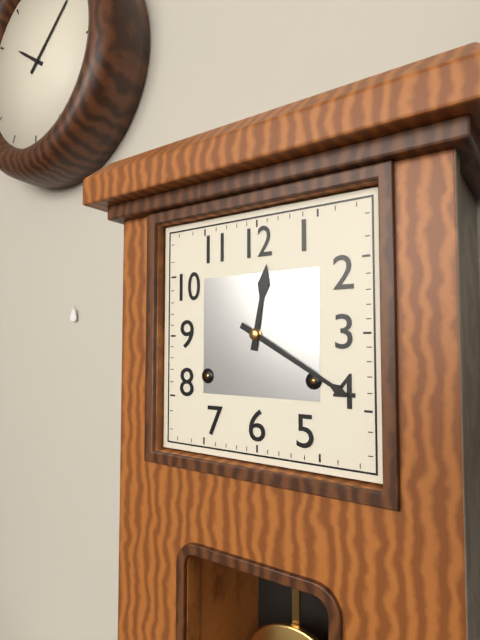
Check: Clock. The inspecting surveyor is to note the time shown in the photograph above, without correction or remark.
12:20
